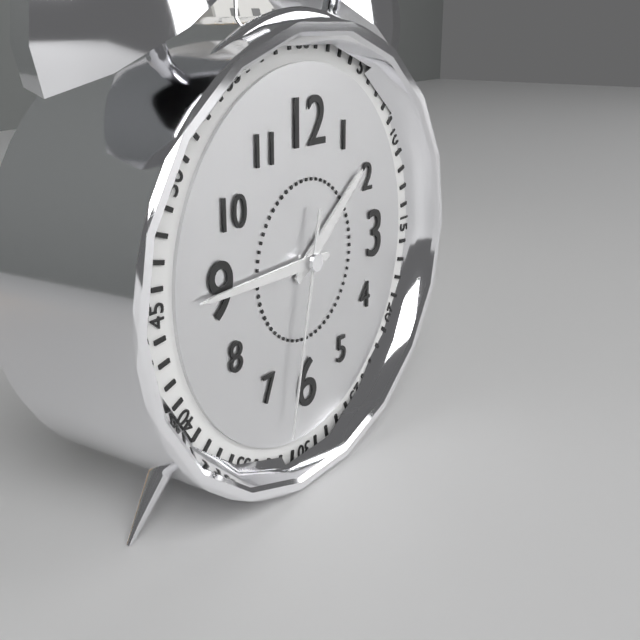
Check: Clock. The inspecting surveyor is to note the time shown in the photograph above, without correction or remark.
1:45:32
